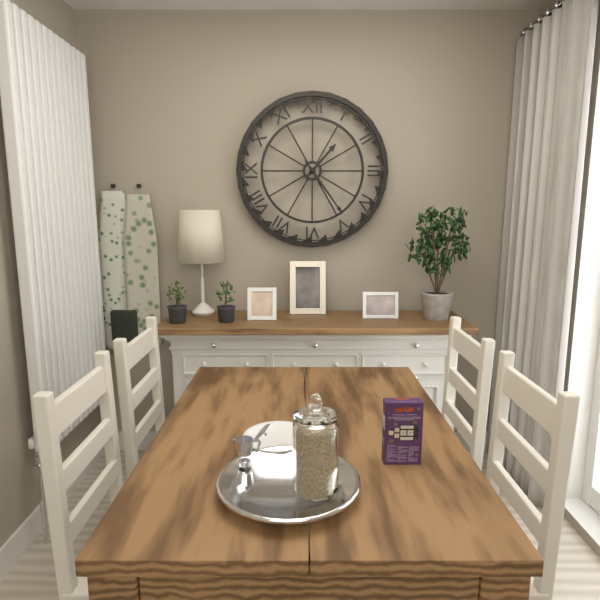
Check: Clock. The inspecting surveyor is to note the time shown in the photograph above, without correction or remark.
1:24
